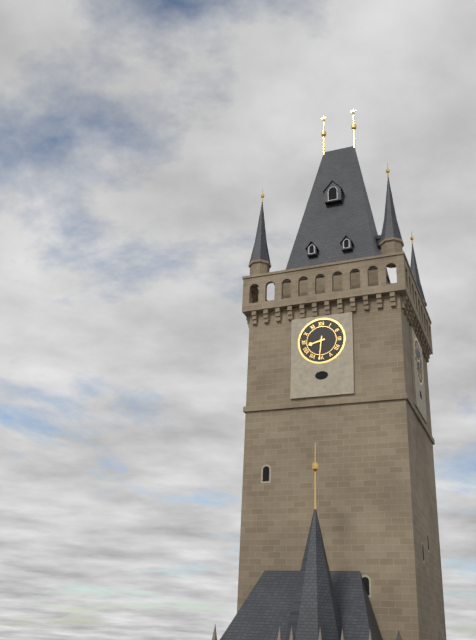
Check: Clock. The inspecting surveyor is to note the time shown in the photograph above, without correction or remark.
8:31
